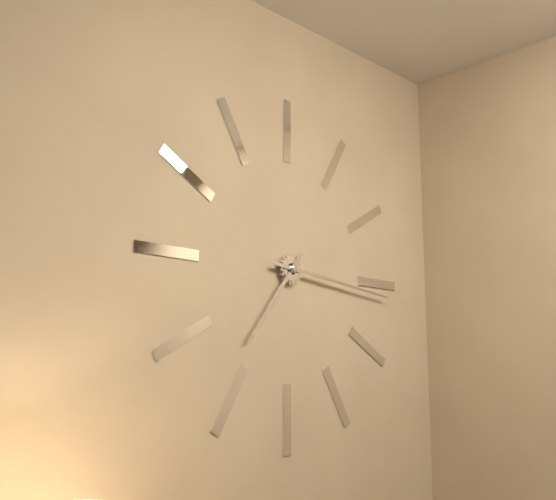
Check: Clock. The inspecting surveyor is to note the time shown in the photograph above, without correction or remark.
7:16
